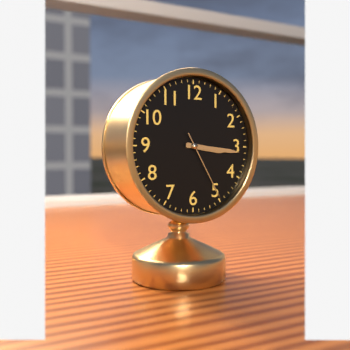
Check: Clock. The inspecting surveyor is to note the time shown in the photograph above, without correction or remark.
3:16:25
